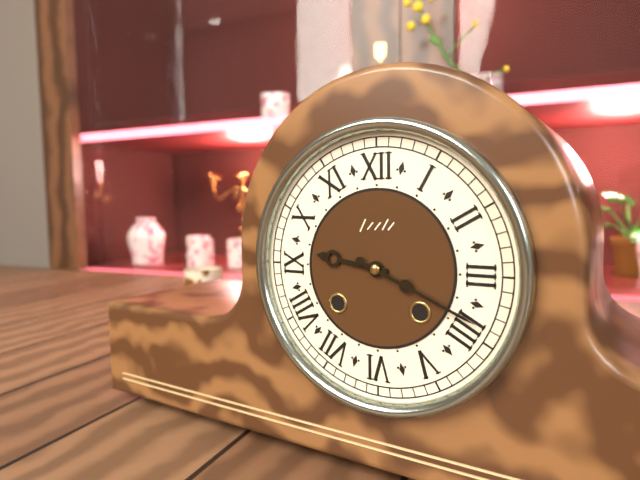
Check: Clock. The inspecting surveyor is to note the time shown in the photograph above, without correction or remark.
9:19
